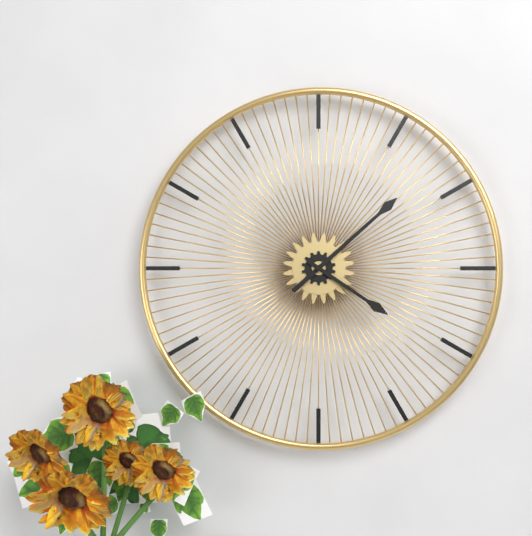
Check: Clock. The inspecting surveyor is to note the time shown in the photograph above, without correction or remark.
4:08
